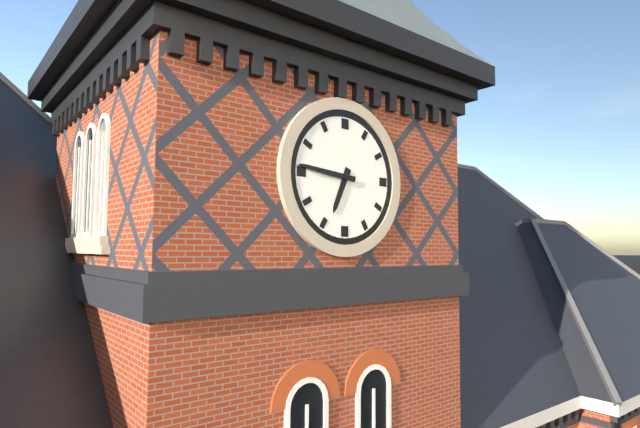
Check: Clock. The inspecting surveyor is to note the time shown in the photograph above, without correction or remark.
6:46
